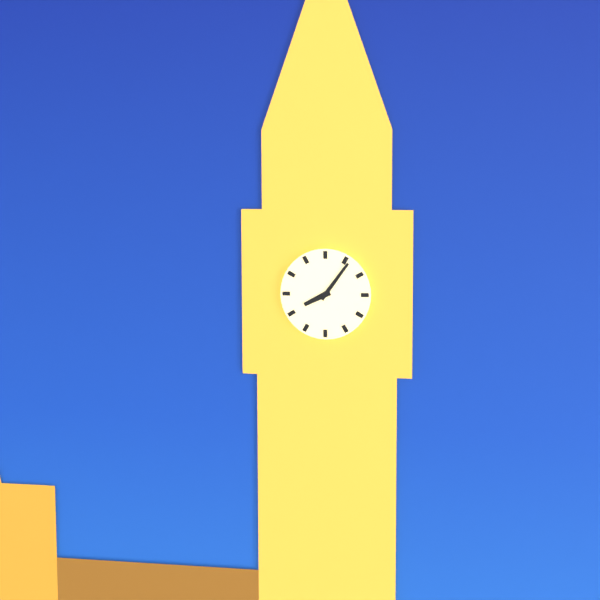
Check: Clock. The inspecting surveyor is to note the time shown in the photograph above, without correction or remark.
8:06
